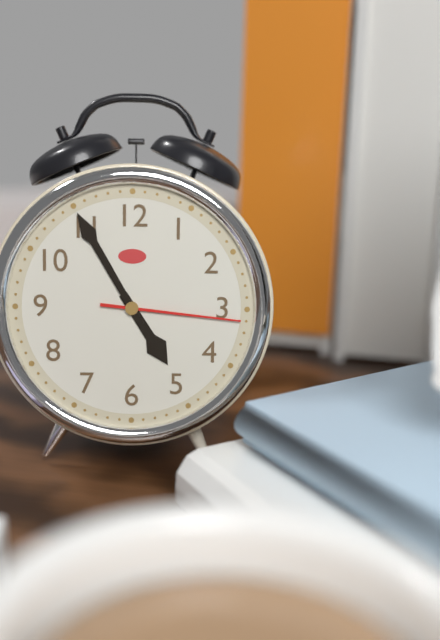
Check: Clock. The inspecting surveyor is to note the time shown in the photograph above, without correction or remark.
4:55:16
